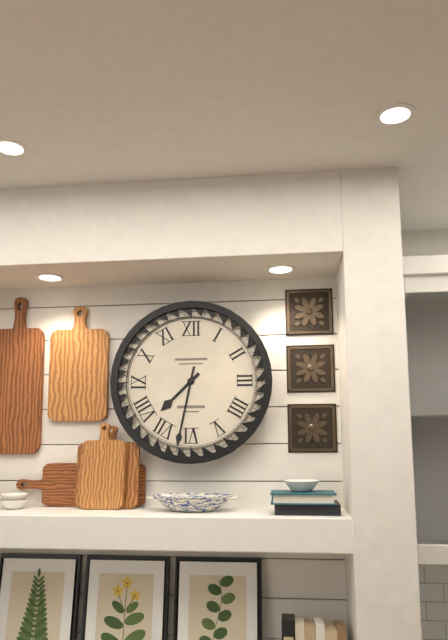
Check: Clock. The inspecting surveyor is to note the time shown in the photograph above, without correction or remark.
7:32
